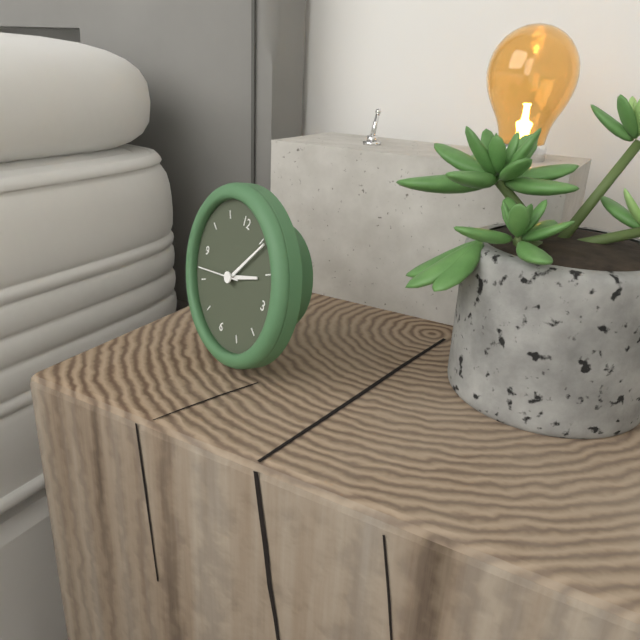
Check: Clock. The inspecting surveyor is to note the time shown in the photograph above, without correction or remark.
2:06
